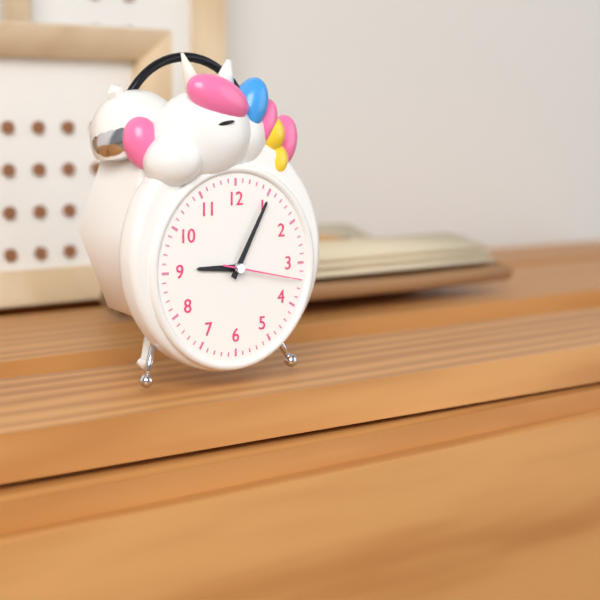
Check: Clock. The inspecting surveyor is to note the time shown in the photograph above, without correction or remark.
9:05:17
